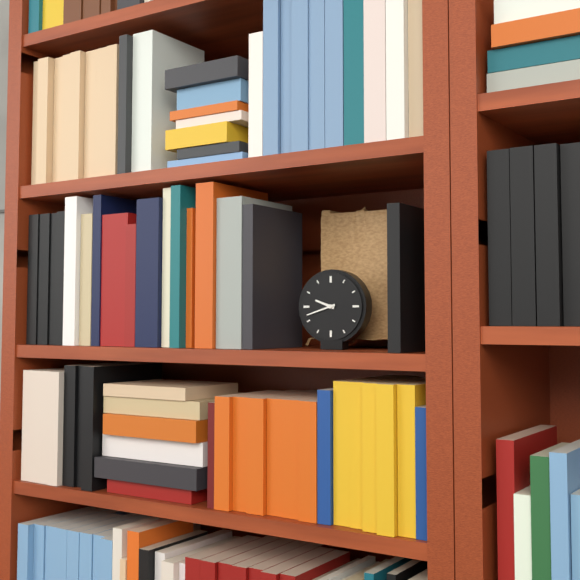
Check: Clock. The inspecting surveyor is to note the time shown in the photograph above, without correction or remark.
9:42
